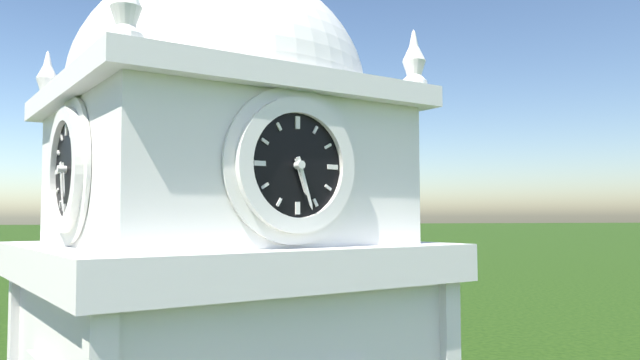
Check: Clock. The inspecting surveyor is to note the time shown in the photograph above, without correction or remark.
5:27
